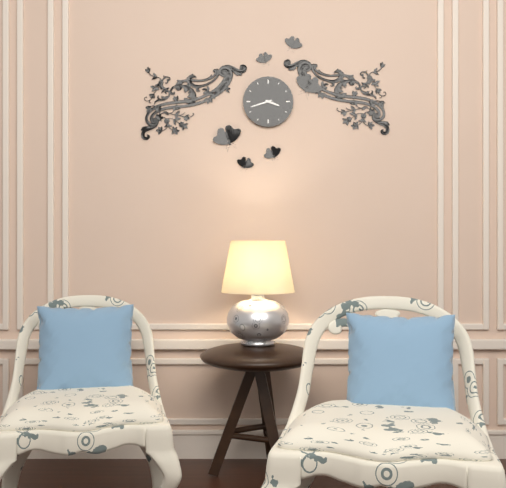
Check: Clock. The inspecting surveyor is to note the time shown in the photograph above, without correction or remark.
3:42
